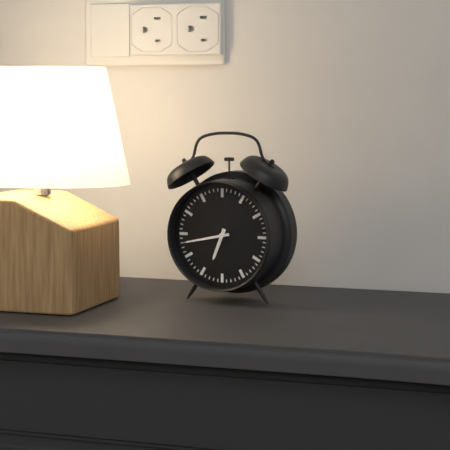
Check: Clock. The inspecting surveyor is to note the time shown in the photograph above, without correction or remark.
6:43
